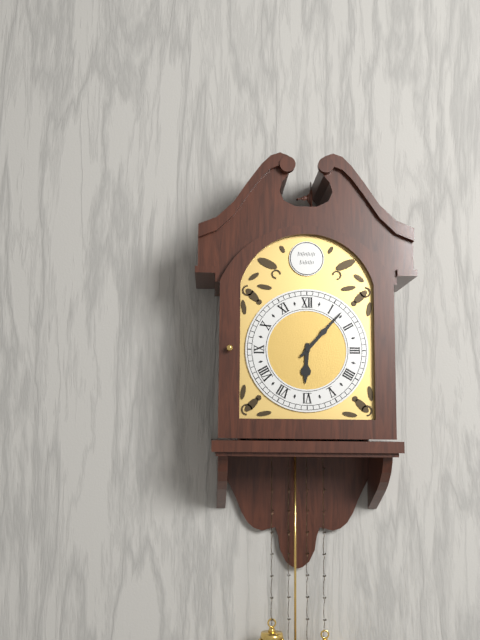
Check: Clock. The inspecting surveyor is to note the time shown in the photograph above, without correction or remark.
6:07
